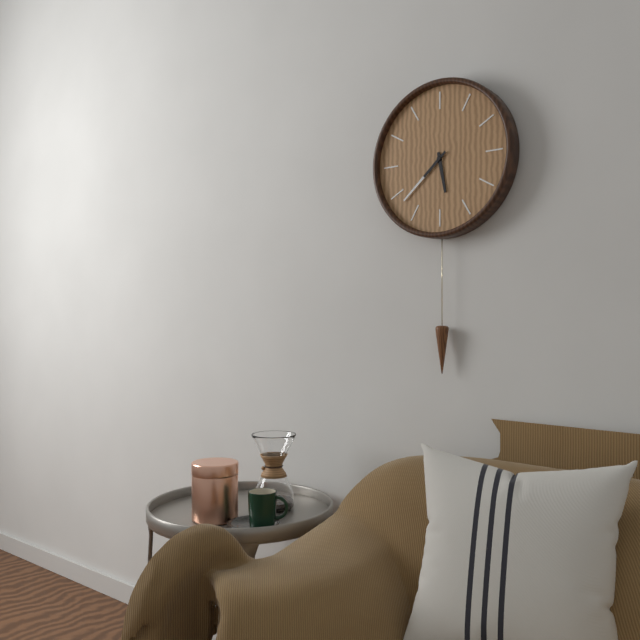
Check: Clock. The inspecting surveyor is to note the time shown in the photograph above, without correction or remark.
5:38
